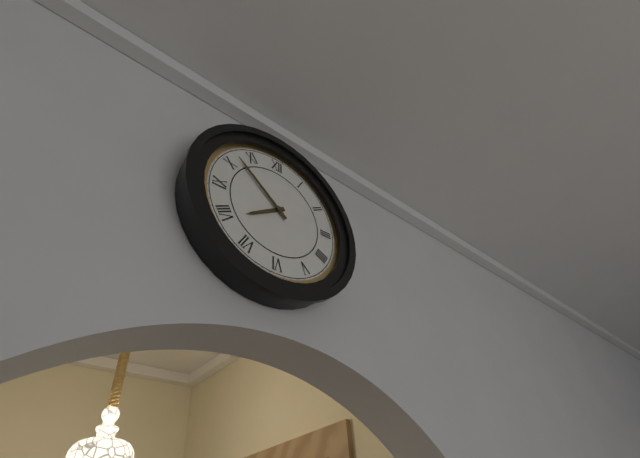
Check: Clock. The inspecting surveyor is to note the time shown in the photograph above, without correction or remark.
7:52
